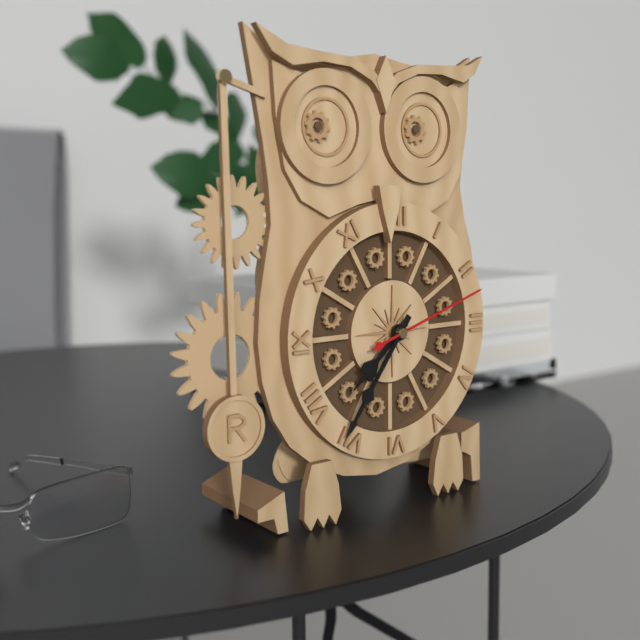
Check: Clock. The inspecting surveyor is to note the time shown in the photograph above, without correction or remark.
7:36:12
